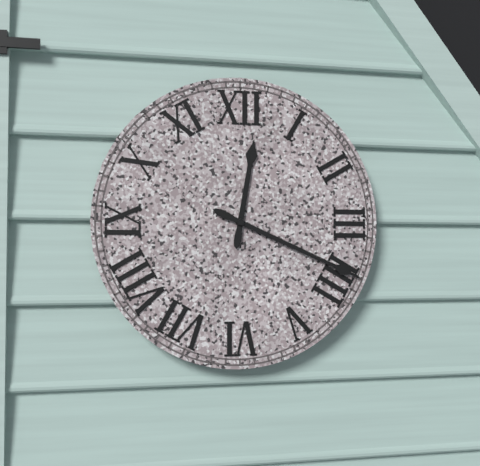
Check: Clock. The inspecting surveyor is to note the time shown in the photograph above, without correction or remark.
12:19
